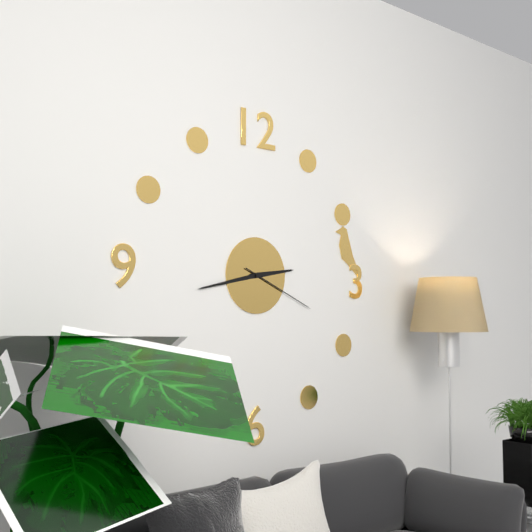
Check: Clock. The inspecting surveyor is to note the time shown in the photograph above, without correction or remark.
2:43:19
